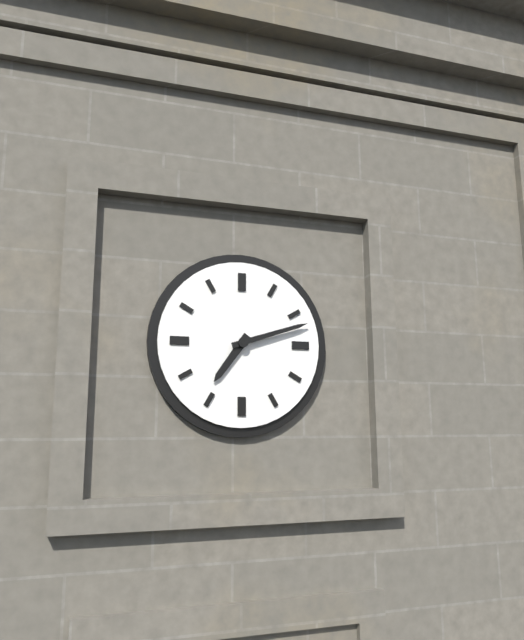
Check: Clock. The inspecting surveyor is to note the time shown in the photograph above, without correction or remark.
7:12
